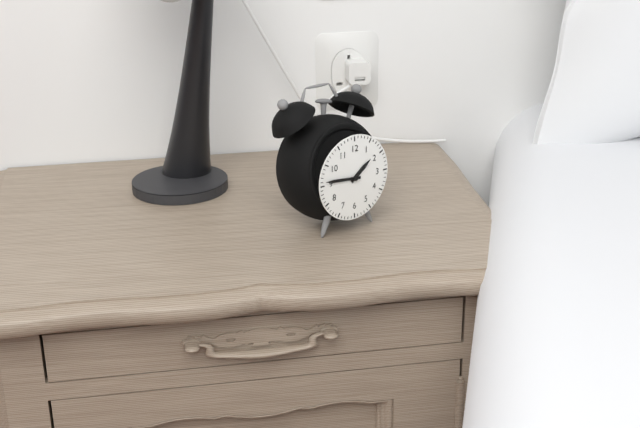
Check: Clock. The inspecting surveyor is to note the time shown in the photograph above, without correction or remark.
1:46
